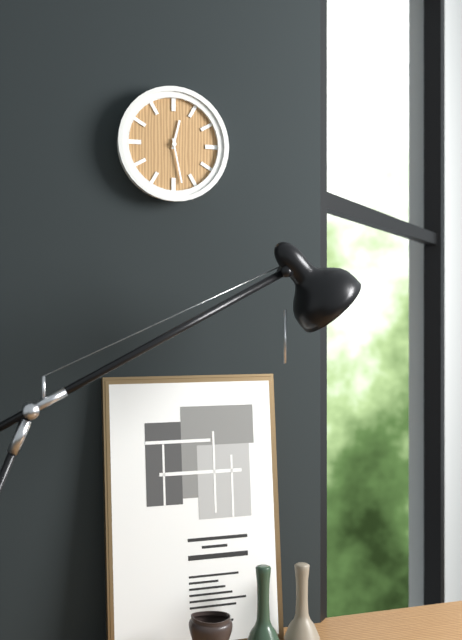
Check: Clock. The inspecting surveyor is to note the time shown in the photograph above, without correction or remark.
12:28
